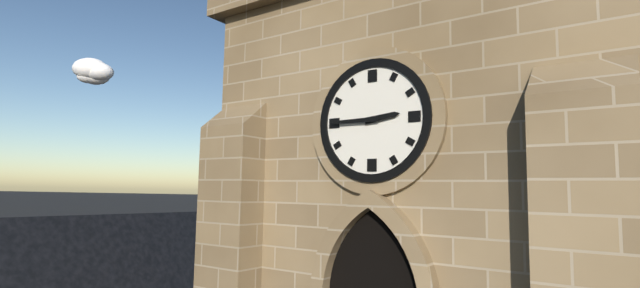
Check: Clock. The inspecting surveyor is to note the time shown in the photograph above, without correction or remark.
2:45
